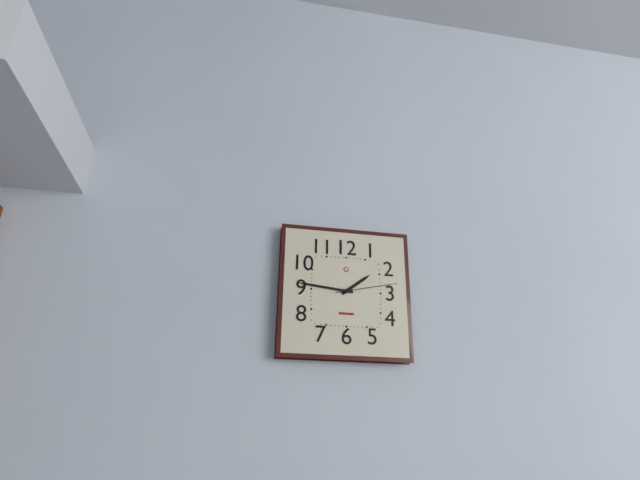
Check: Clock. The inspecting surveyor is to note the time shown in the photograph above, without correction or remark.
1:46:13
